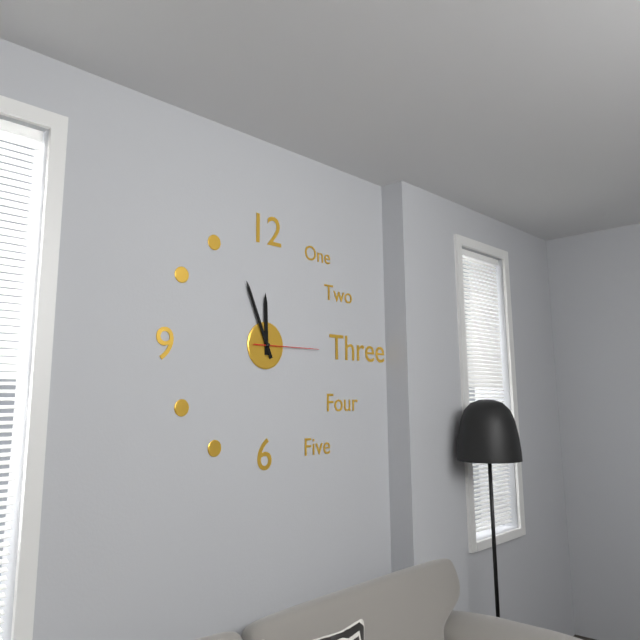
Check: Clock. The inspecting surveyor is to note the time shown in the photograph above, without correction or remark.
11:56:15
